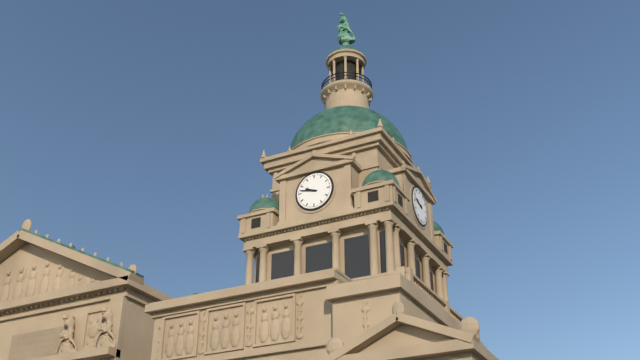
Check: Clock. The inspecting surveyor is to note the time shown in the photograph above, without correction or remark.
9:47
